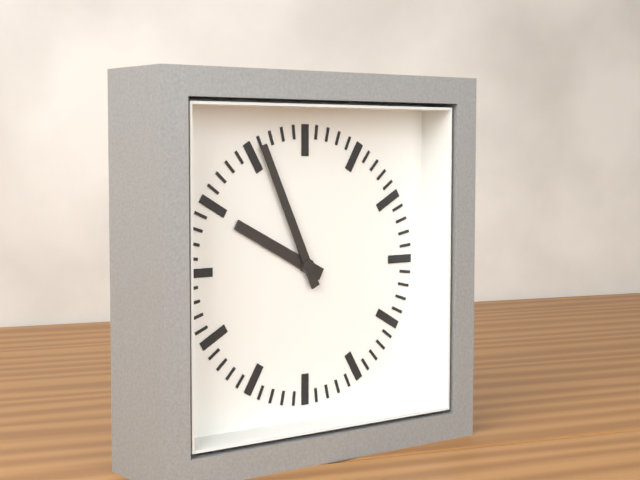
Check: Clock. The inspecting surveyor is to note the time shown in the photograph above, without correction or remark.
9:56
